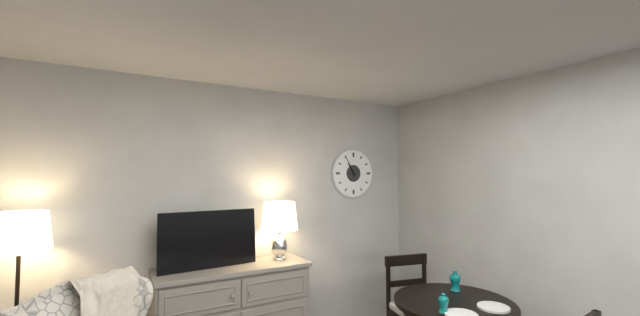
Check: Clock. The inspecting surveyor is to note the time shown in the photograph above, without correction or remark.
10:55
